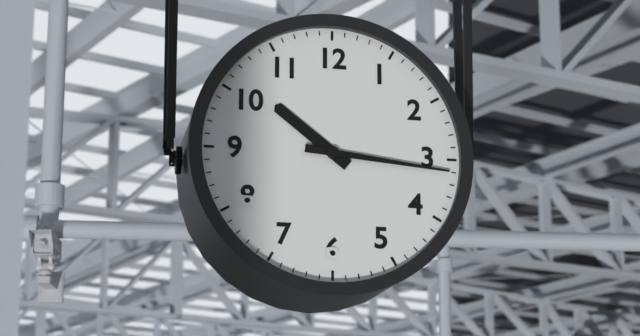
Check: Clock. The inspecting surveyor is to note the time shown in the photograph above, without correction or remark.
10:16
